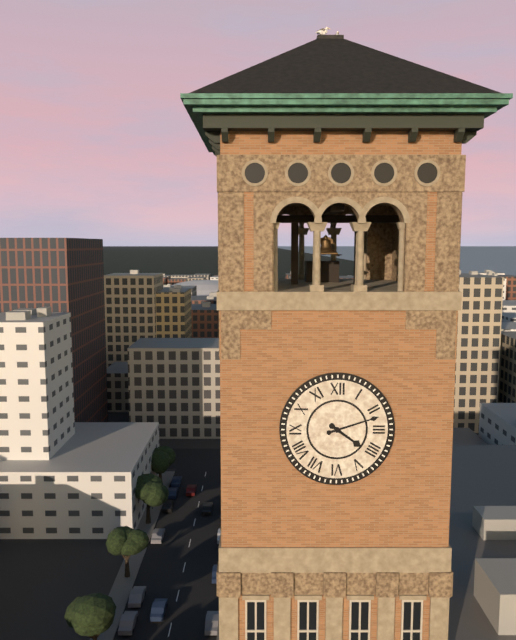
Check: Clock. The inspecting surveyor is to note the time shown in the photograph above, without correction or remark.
4:12
